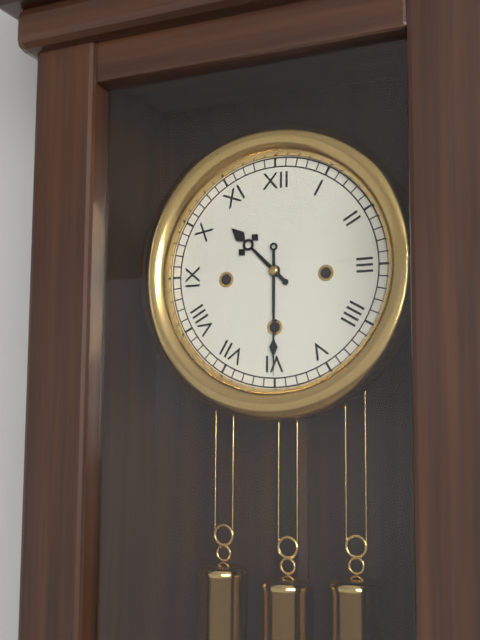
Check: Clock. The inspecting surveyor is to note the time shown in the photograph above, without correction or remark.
10:30
